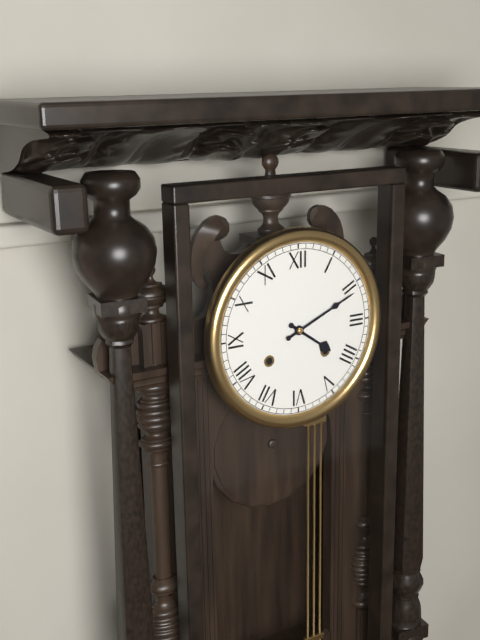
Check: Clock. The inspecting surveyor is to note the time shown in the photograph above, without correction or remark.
4:11
